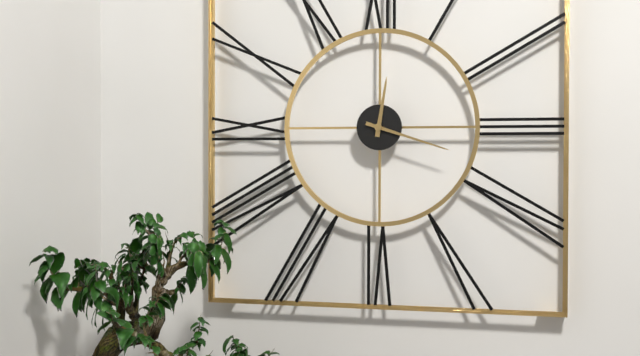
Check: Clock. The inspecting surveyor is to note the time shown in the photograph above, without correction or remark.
12:18
